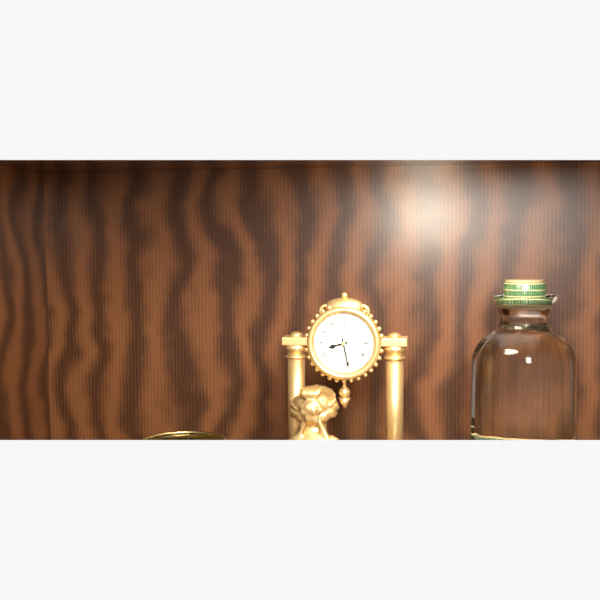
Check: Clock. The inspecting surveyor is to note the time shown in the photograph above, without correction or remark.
8:28
